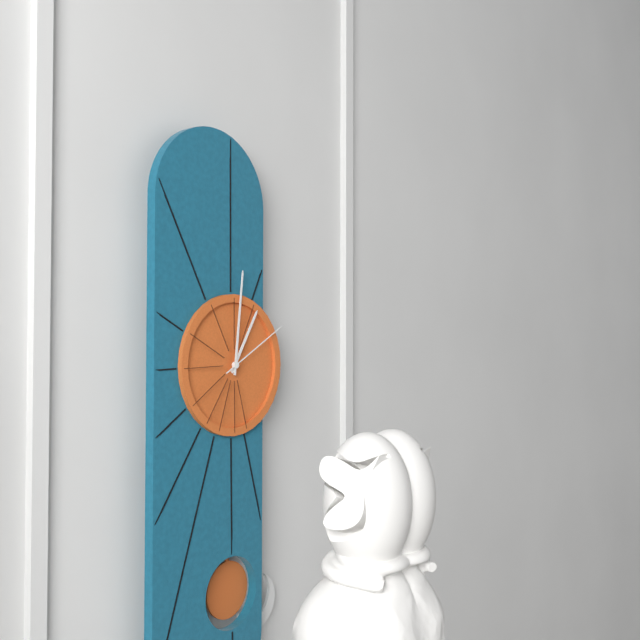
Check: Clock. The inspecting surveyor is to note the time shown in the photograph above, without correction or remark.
1:01:10
